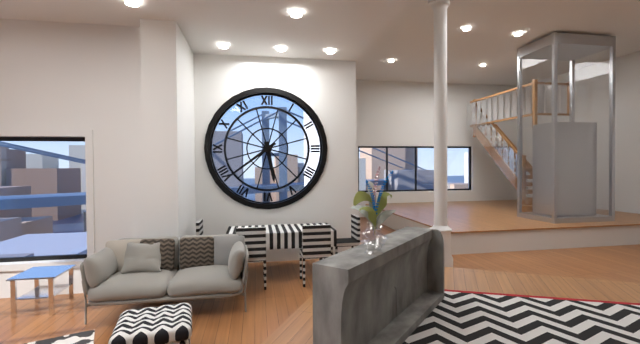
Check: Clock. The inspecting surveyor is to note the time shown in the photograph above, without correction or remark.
5:39
